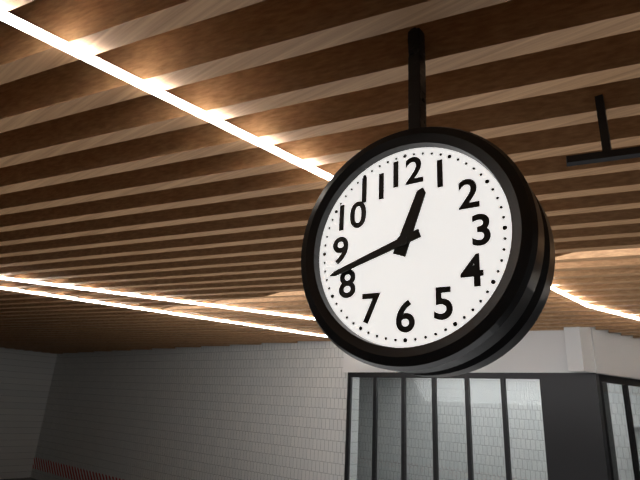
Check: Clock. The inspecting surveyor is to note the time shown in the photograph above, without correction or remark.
12:42
